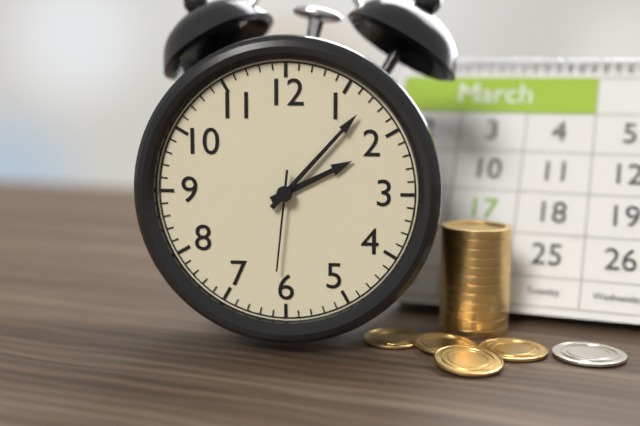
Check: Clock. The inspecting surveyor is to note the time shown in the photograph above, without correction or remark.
2:07:31
